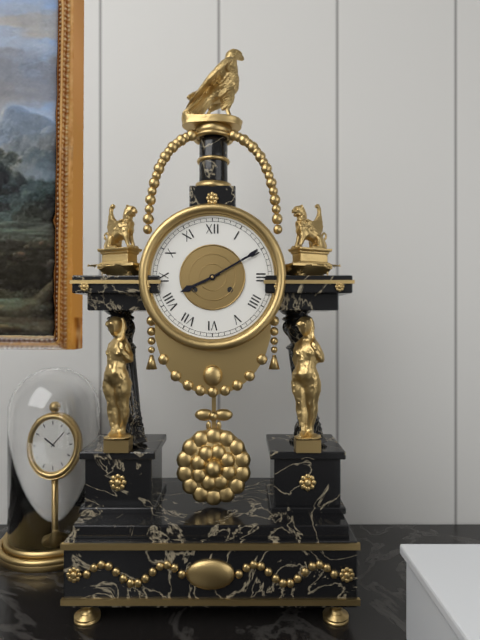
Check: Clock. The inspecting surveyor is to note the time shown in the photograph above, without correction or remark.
8:10
